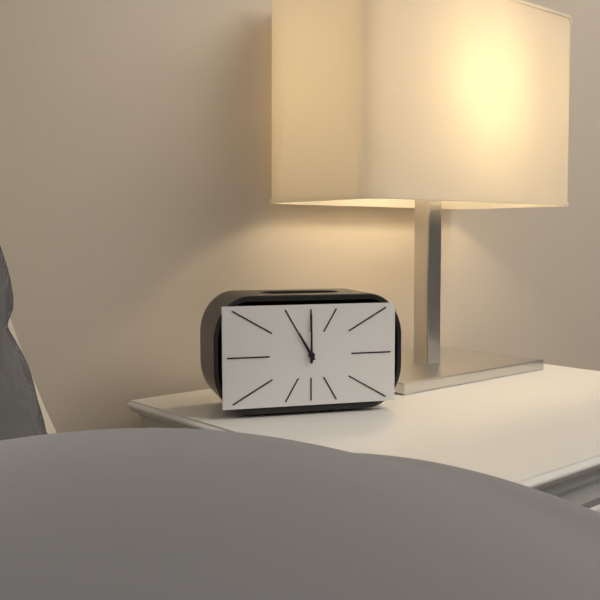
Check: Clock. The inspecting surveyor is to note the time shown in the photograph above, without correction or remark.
11:00
